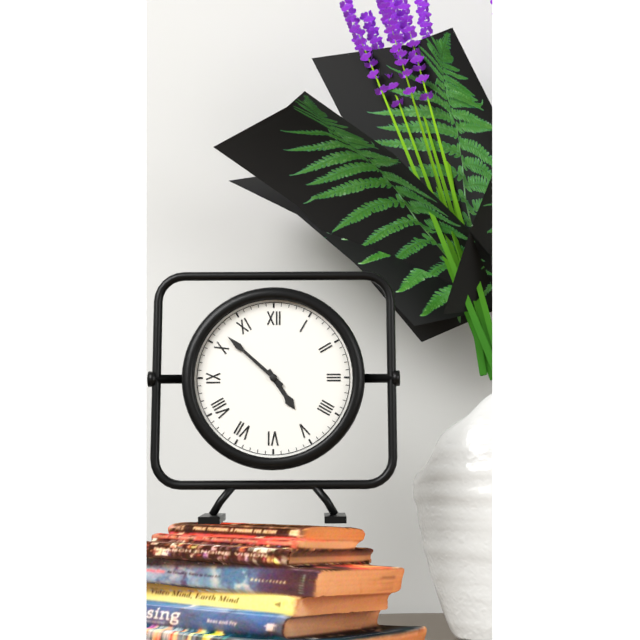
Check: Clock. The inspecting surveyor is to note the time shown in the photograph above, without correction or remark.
4:52
